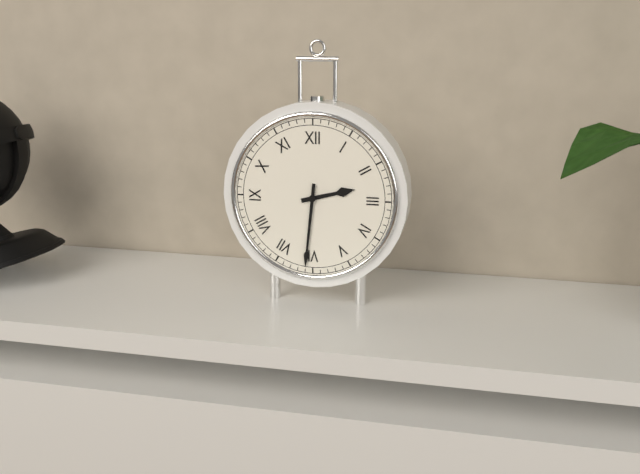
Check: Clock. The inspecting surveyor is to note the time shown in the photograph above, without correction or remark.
2:31
